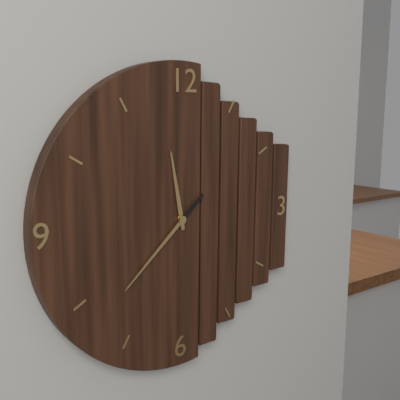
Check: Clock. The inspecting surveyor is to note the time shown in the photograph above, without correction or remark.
11:38
